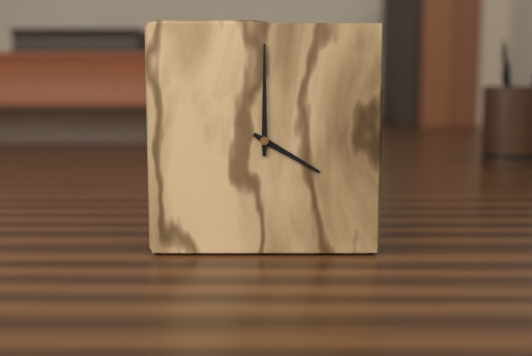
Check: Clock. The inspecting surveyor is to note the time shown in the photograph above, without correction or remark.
4:00
